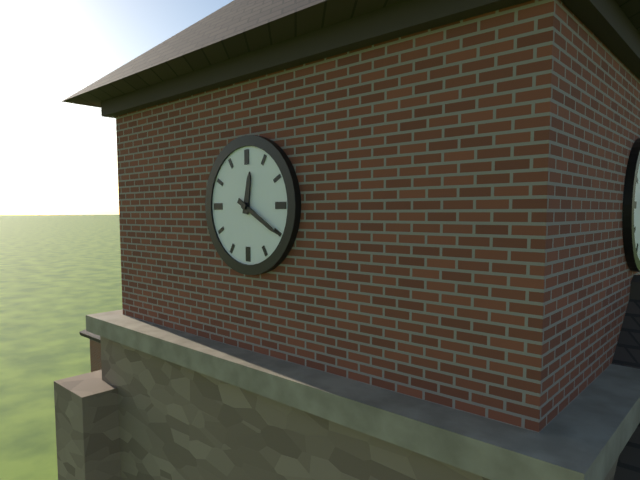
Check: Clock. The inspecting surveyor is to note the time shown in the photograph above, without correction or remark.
12:20
